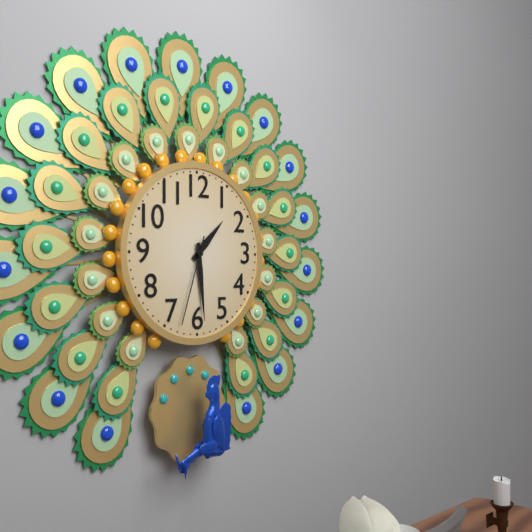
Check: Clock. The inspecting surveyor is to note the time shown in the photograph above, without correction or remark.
1:29:33
